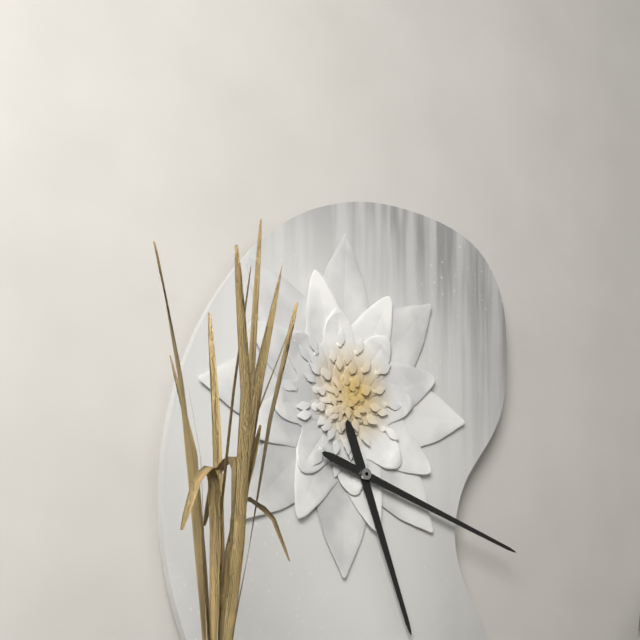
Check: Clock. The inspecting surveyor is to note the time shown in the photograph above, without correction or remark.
5:18
